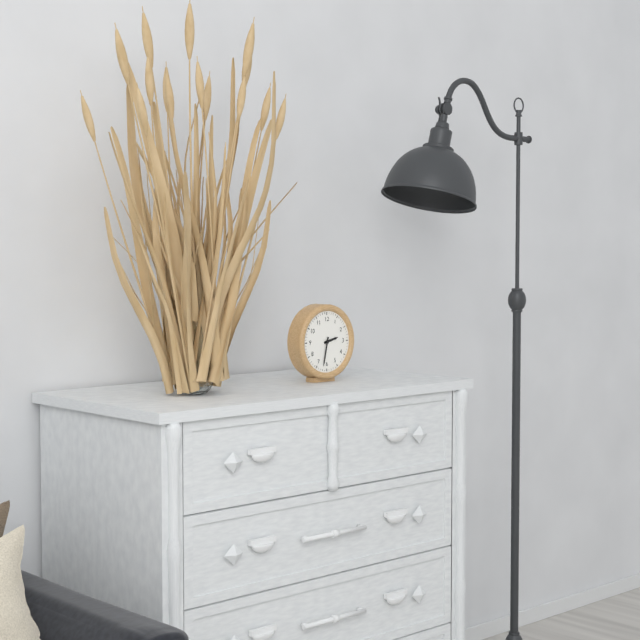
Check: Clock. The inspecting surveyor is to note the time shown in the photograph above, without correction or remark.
2:32
